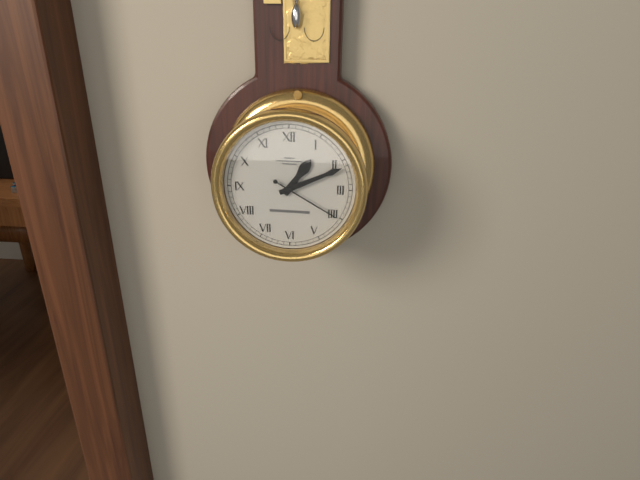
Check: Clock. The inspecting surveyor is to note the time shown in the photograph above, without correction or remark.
1:11:20
